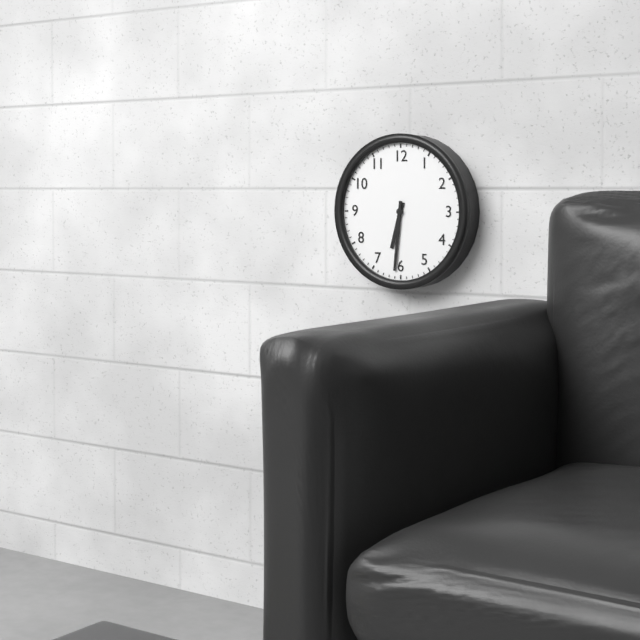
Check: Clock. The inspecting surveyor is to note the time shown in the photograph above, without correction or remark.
6:31
